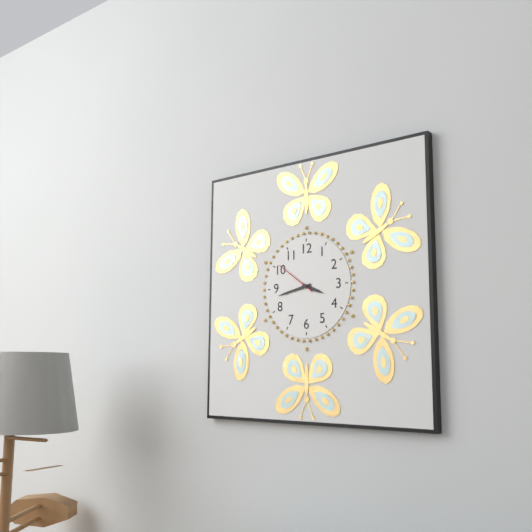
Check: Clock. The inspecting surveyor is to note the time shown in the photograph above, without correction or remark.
3:43
